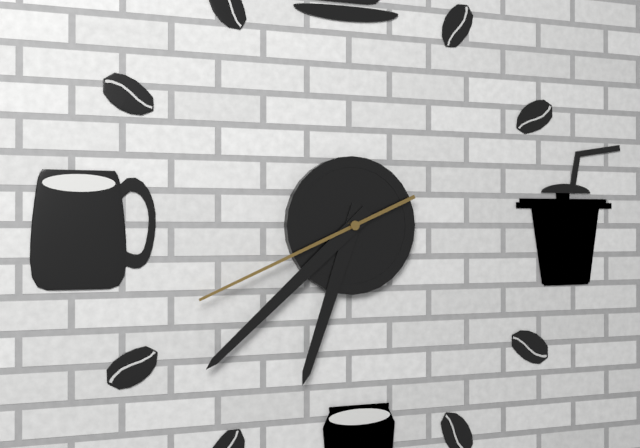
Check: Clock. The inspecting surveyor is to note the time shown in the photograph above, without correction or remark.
6:38:41
